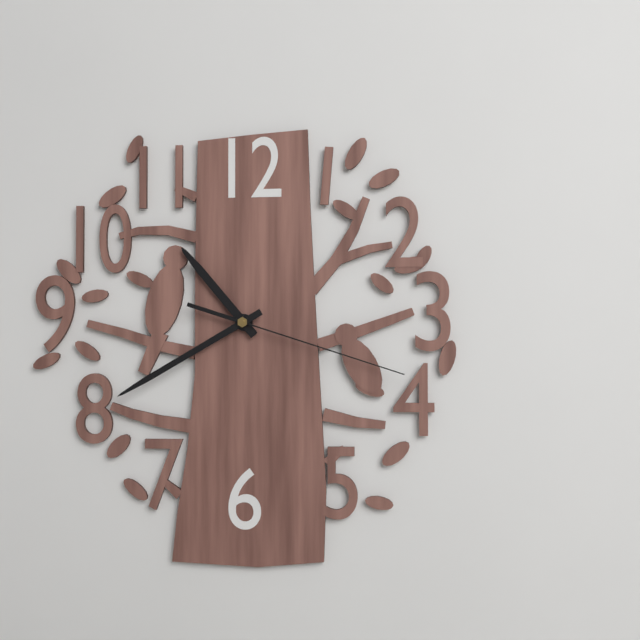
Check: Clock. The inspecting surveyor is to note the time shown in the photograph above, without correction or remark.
10:40:18
